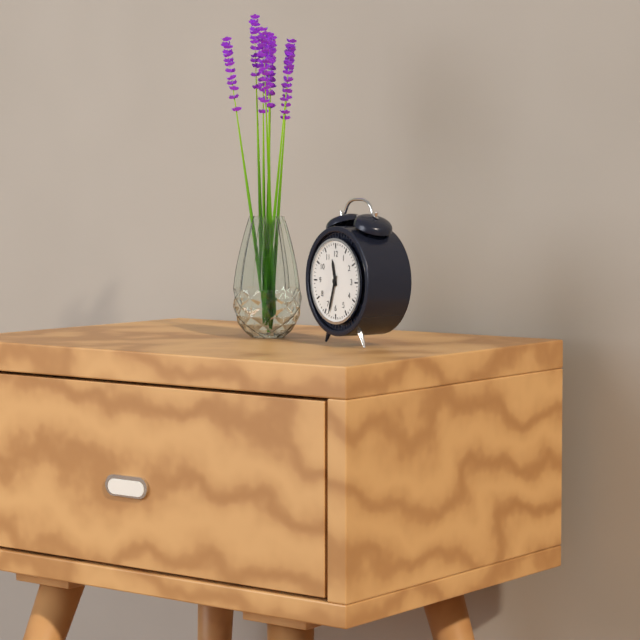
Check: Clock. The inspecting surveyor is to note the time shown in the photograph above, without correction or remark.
11:33
